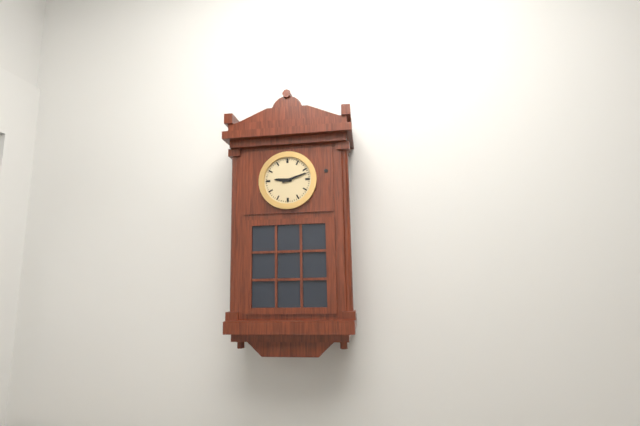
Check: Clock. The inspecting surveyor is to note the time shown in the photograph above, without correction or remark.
9:12
